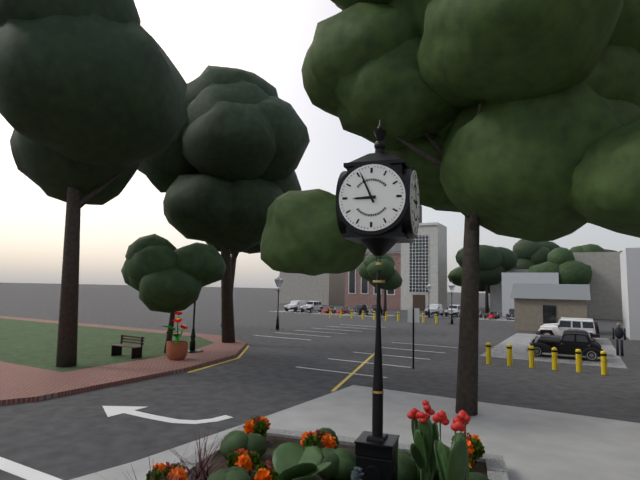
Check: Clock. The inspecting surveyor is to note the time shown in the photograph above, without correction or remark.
8:56
